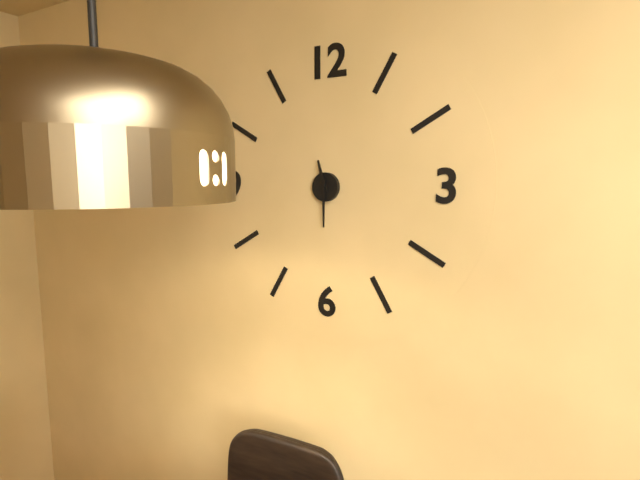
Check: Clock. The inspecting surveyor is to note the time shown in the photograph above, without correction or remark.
11:30
